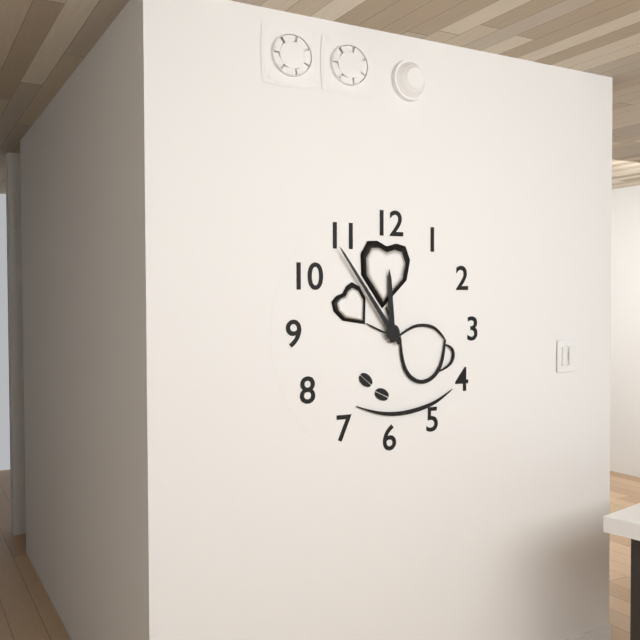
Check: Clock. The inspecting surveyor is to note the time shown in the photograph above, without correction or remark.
11:54
